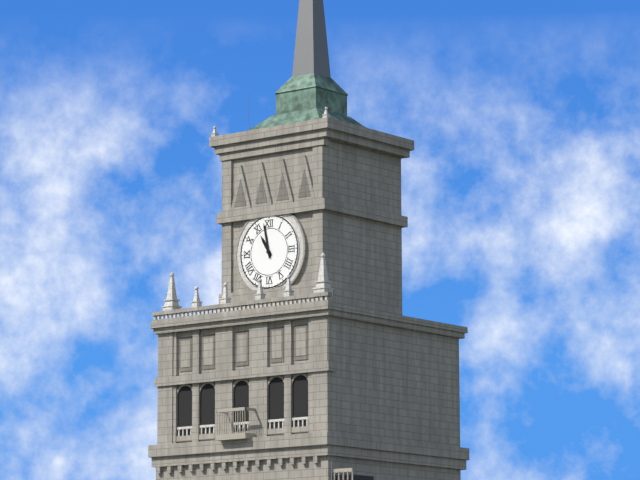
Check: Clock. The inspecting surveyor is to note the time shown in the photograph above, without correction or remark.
10:58
